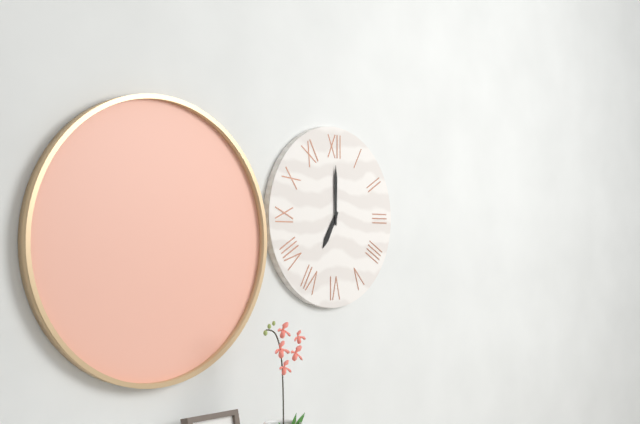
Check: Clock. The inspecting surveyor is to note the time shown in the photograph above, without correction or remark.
7:00
